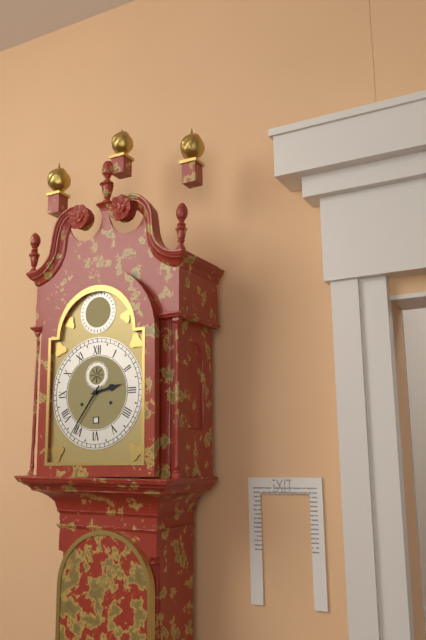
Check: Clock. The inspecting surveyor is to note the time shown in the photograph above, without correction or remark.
2:36
